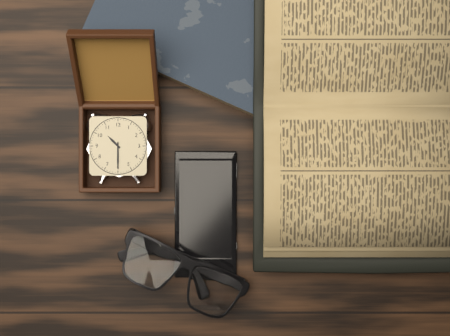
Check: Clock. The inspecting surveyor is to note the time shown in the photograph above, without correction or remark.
10:30
